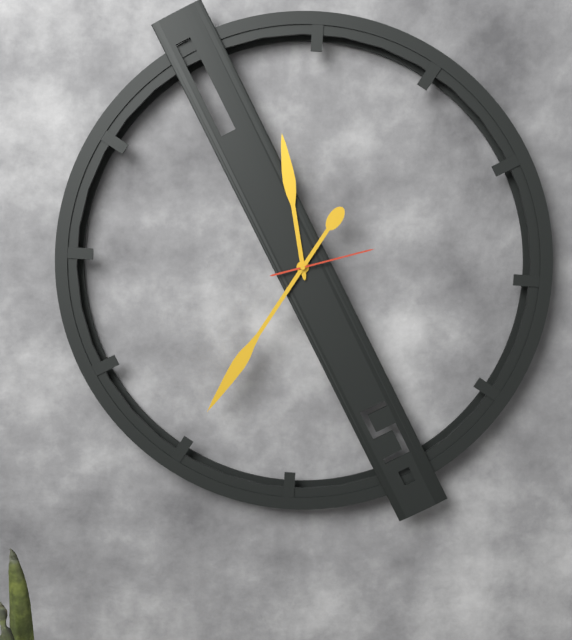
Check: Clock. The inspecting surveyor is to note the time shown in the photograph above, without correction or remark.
11:35:12
